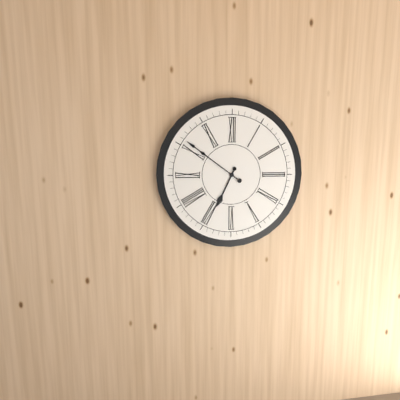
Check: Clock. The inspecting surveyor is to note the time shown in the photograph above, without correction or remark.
6:51
